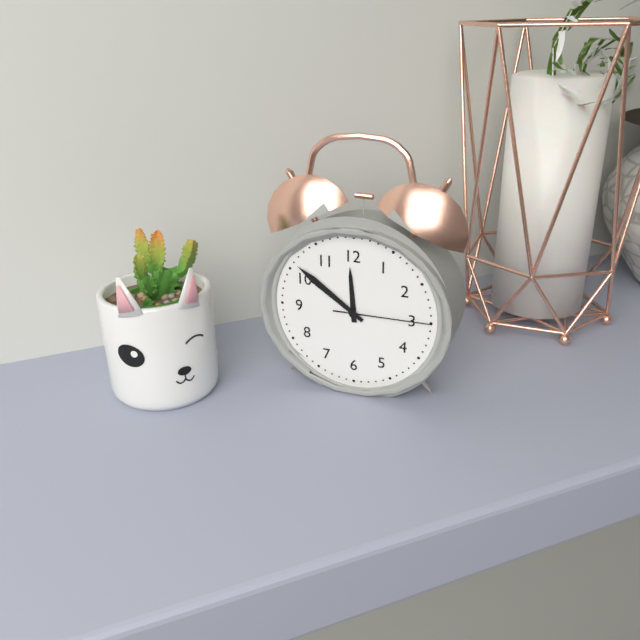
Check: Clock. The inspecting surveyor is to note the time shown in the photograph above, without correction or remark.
11:51:15
